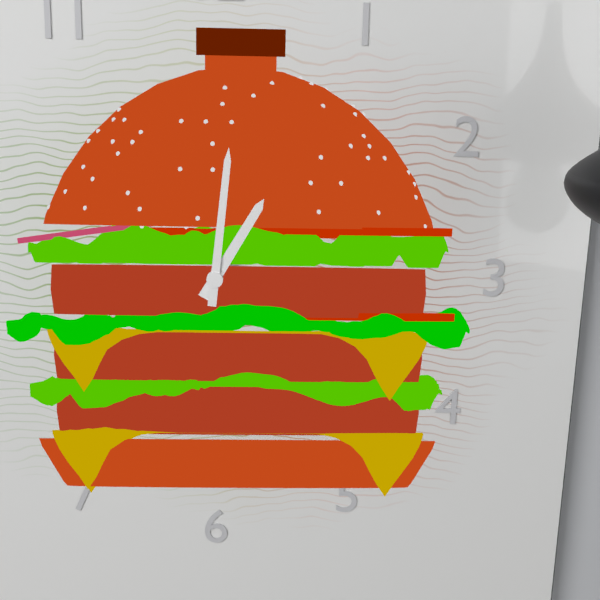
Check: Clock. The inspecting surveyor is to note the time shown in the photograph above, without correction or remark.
1:01
